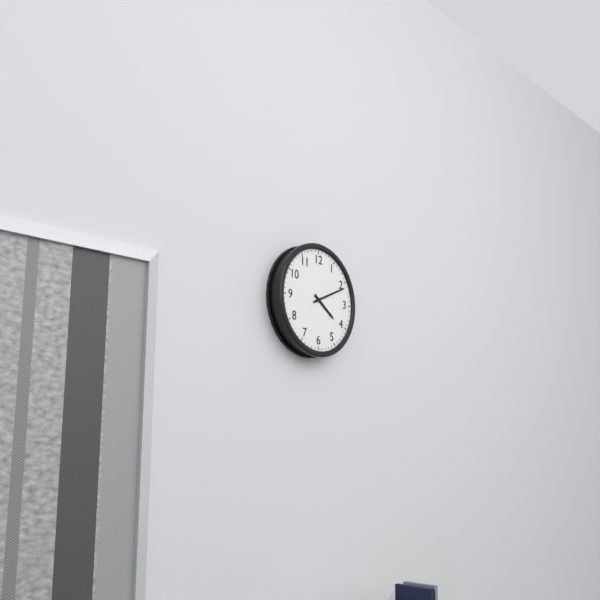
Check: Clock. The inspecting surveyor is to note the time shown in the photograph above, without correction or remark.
4:11
